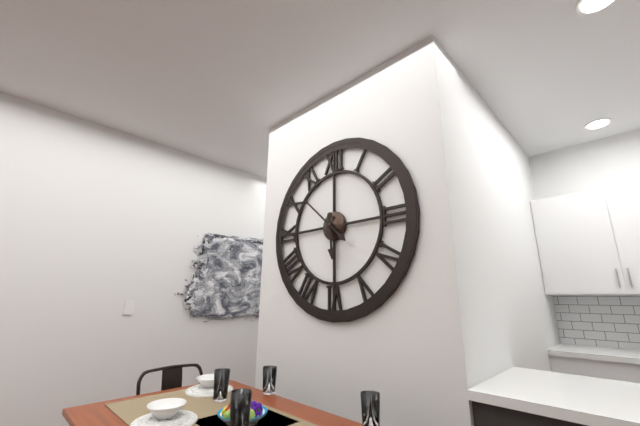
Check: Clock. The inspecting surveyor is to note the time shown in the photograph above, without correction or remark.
5:52
